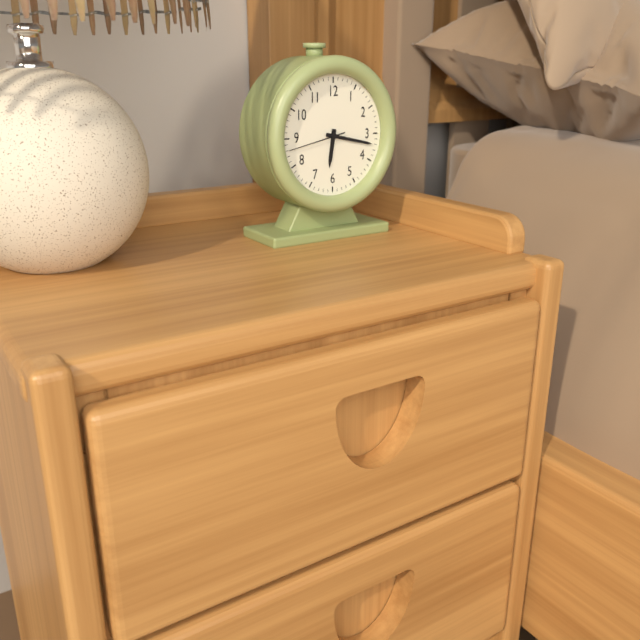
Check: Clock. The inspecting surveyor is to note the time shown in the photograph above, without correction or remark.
6:17:43
